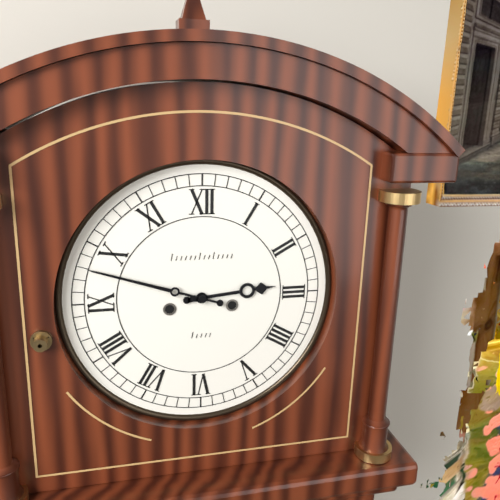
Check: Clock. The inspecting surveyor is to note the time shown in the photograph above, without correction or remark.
2:48
